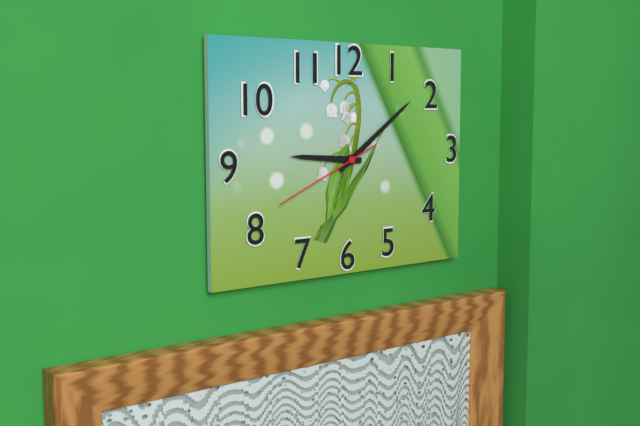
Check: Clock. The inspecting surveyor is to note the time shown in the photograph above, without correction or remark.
9:09:41
